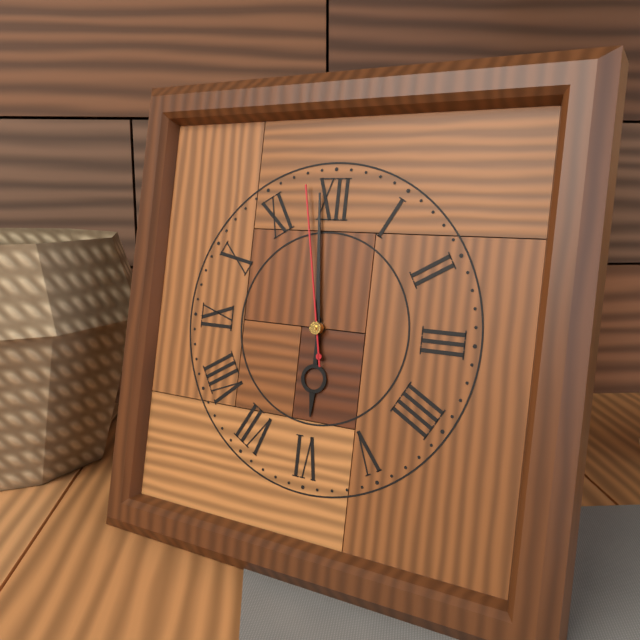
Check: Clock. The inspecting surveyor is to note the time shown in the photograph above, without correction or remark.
5:59:58
